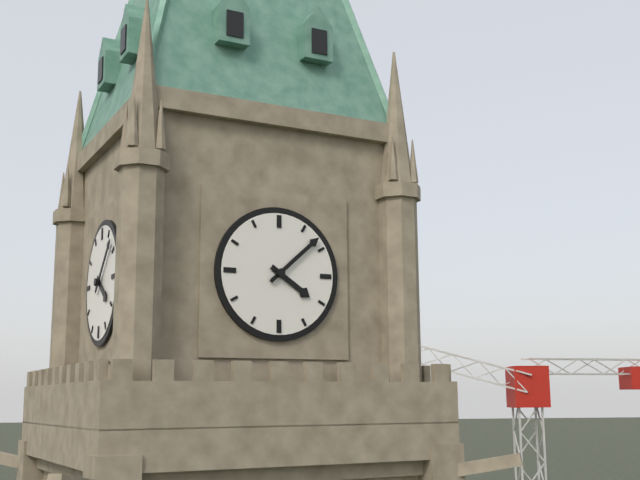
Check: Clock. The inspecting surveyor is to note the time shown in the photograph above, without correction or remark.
4:08
